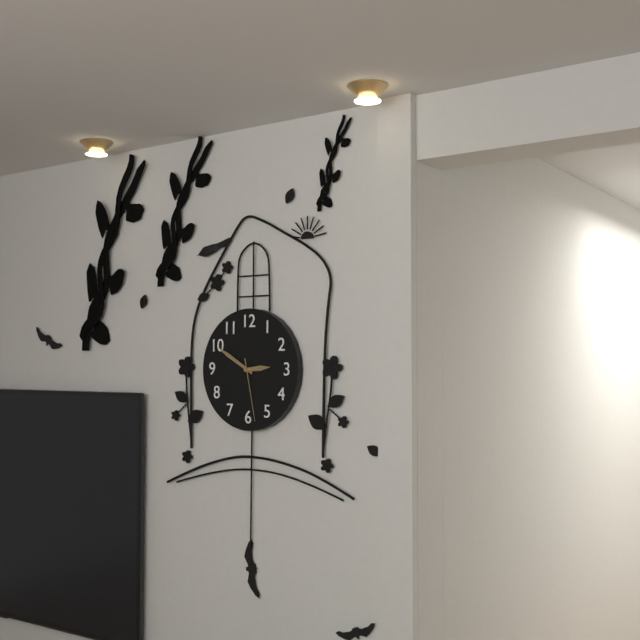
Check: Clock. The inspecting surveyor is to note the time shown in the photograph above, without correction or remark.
2:50:28
